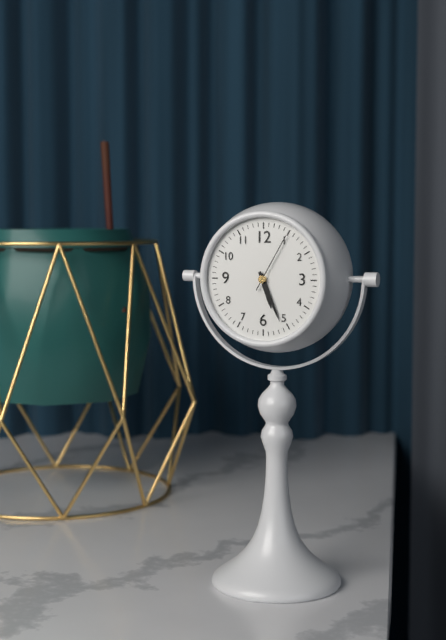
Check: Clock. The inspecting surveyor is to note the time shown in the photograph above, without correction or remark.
5:26:05
